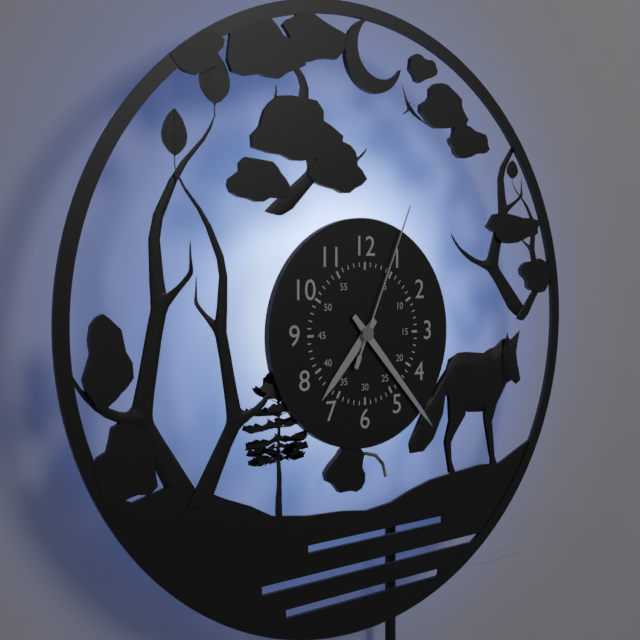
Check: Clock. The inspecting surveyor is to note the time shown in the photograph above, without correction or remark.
7:23:04
